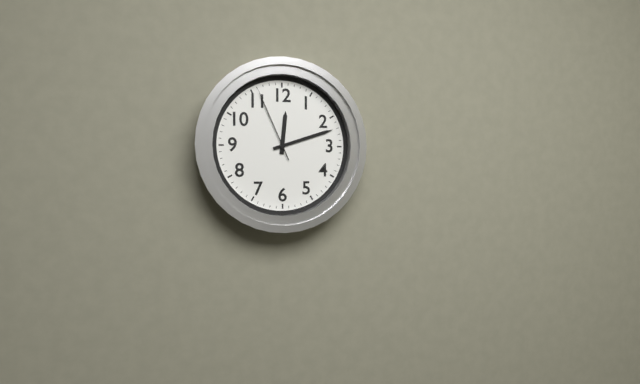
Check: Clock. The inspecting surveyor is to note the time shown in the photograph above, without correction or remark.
12:12:56
